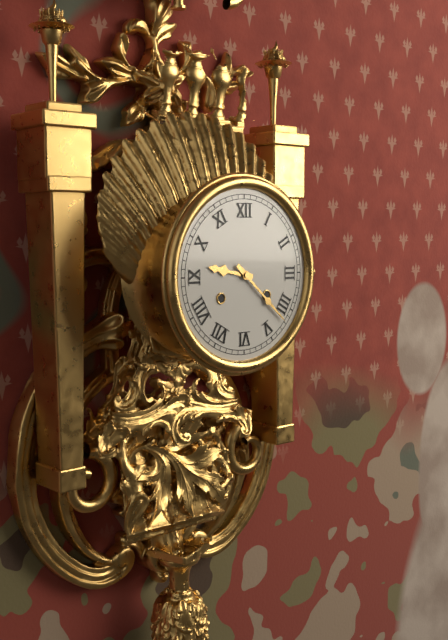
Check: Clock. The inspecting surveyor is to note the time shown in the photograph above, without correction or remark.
9:22
